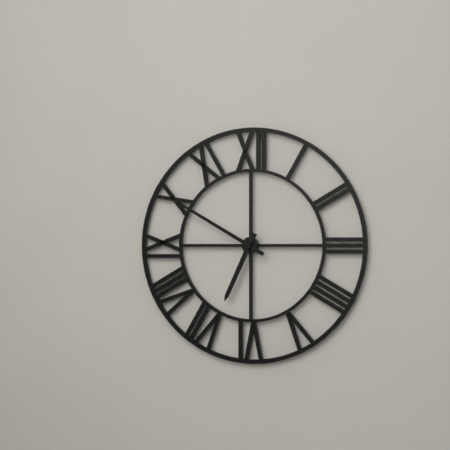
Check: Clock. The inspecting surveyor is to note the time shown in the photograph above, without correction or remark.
6:50
